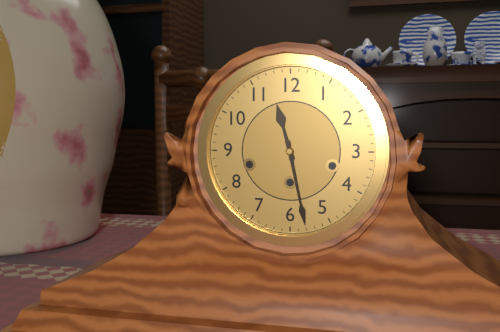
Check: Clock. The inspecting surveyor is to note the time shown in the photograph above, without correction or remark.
11:28
